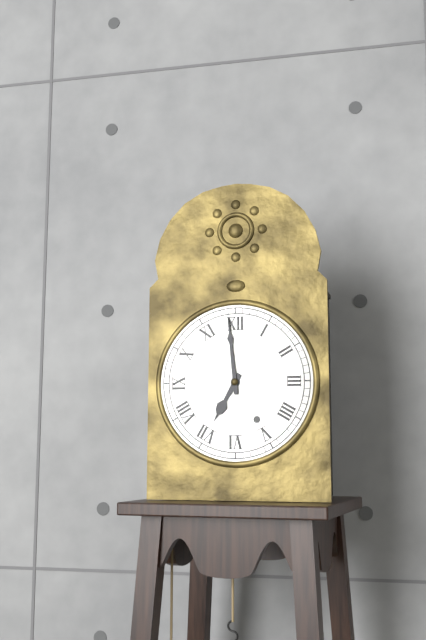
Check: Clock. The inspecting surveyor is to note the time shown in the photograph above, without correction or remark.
6:59
